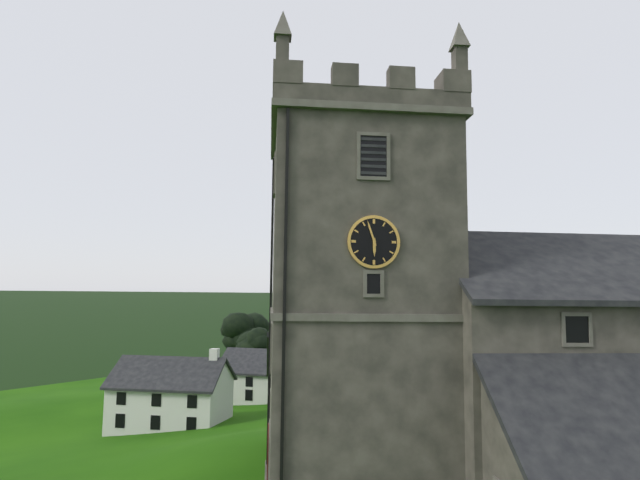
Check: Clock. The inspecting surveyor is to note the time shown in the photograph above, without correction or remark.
5:57
